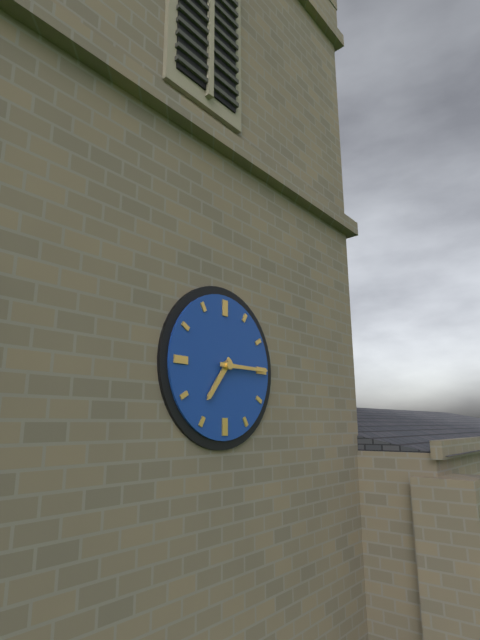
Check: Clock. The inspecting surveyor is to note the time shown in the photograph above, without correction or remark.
7:15
